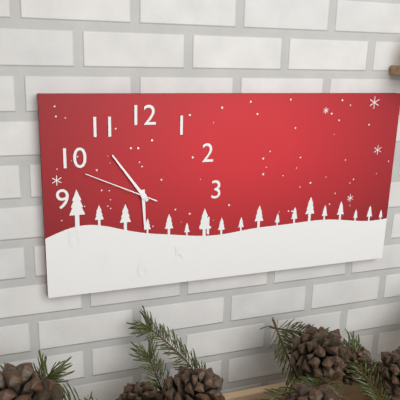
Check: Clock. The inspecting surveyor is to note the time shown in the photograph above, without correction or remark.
5:54:49
